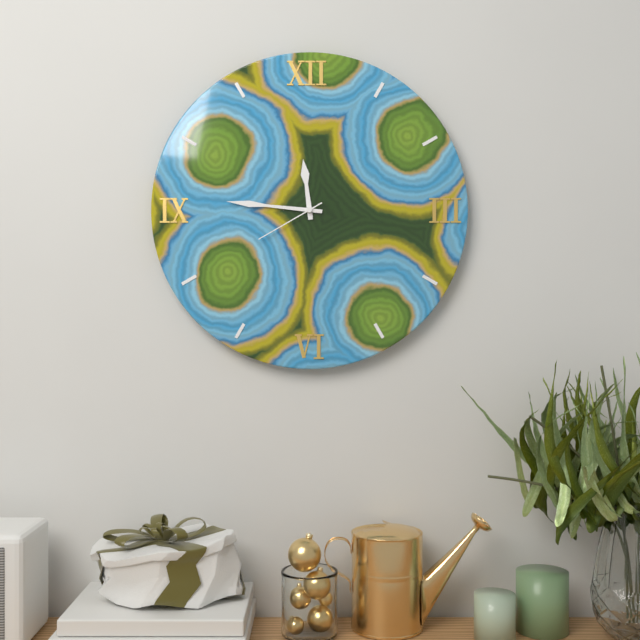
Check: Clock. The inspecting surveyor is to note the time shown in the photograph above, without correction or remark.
11:46:40
